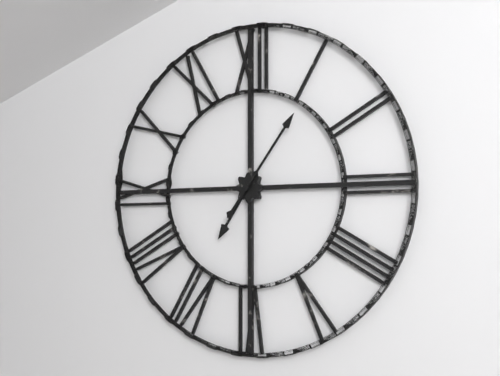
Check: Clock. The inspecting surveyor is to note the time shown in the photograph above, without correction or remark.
7:06
